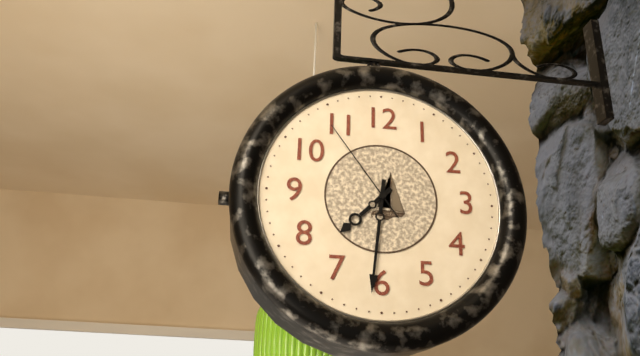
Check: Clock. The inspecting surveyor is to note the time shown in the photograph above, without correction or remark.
7:31:54
